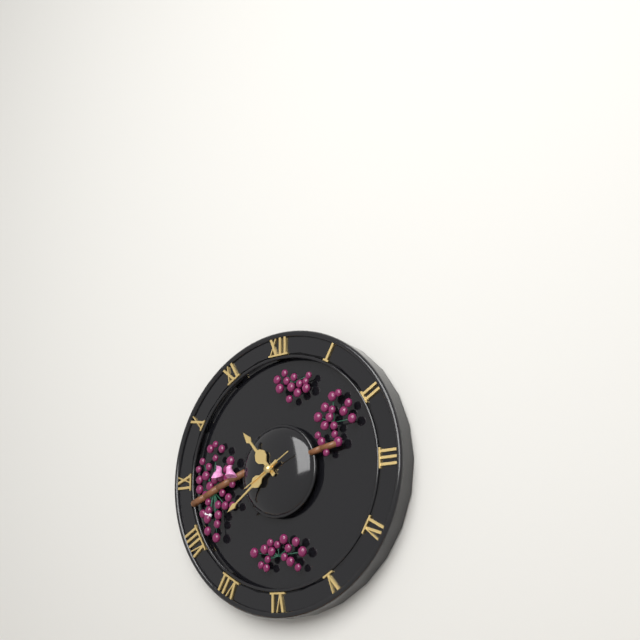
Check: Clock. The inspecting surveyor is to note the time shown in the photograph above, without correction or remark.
10:39
